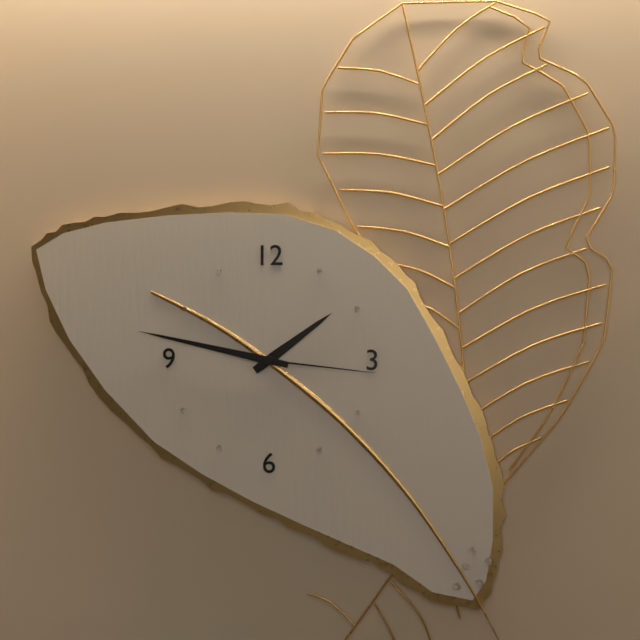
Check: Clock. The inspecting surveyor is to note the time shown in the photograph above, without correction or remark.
1:47:16
